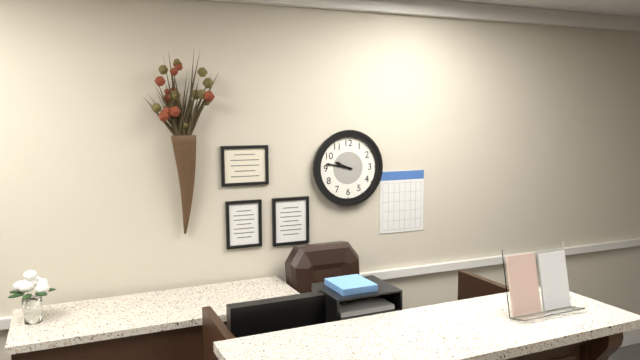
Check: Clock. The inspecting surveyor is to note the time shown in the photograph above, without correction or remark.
9:47
